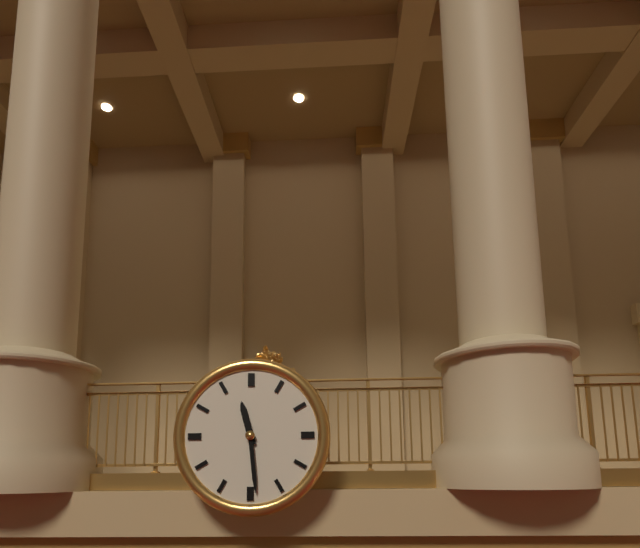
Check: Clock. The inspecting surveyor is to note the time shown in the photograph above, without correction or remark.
11:29
